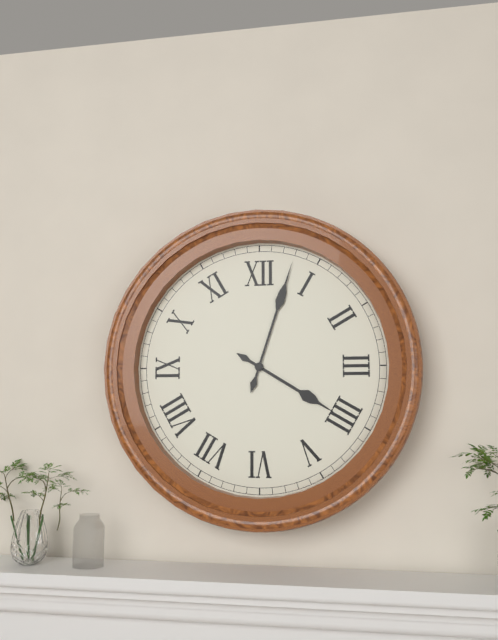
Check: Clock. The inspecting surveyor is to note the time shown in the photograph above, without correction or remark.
4:03
